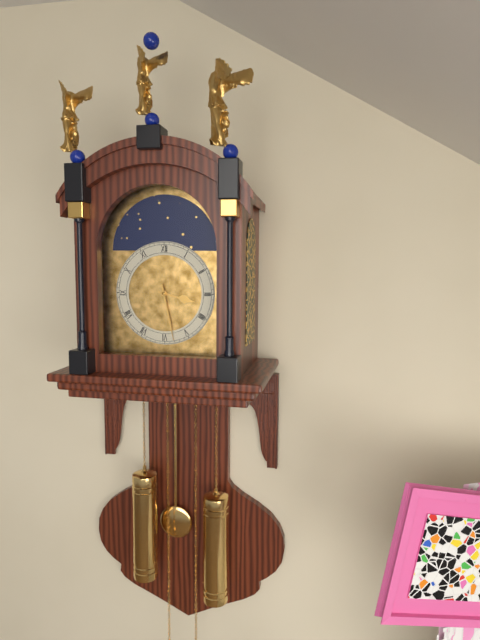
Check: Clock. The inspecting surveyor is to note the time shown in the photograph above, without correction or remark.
3:28
